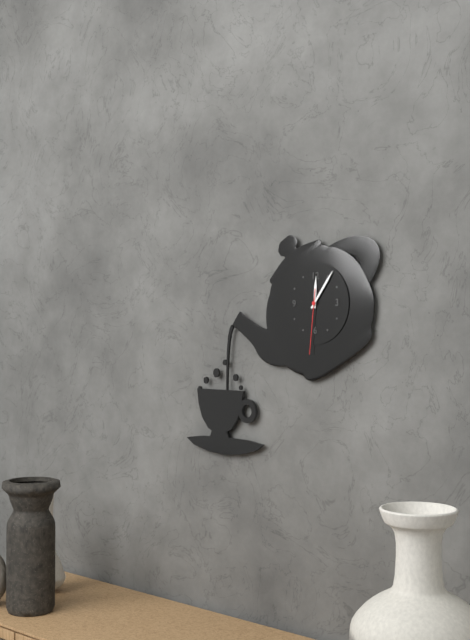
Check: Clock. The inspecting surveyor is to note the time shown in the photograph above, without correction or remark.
12:06:31
